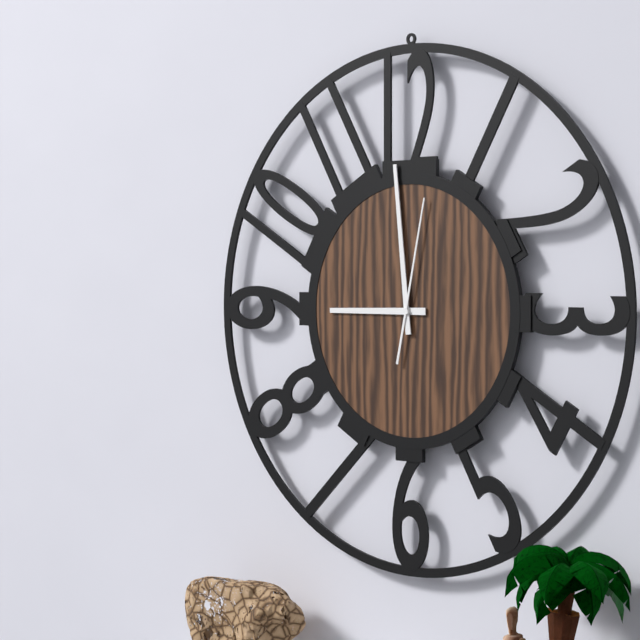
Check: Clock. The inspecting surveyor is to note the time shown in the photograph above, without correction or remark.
8:59:02
